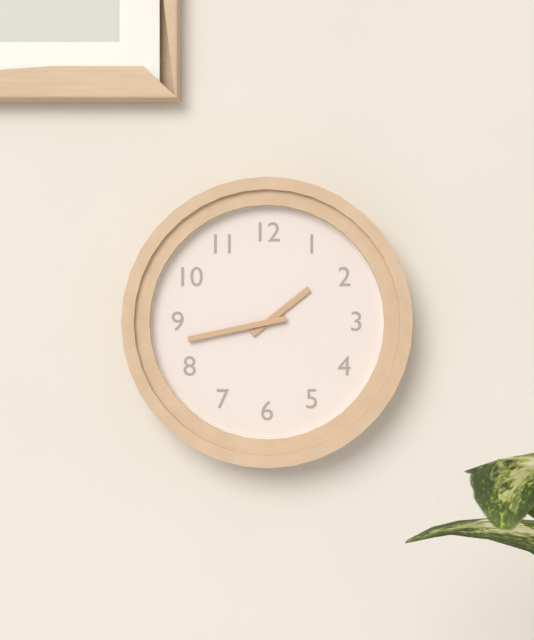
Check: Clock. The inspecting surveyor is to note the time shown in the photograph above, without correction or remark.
1:43
